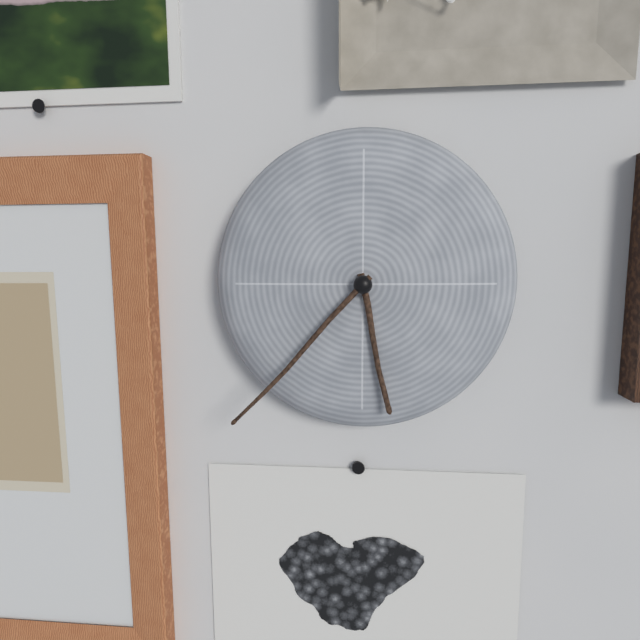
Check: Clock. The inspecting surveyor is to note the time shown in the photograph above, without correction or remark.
5:37
